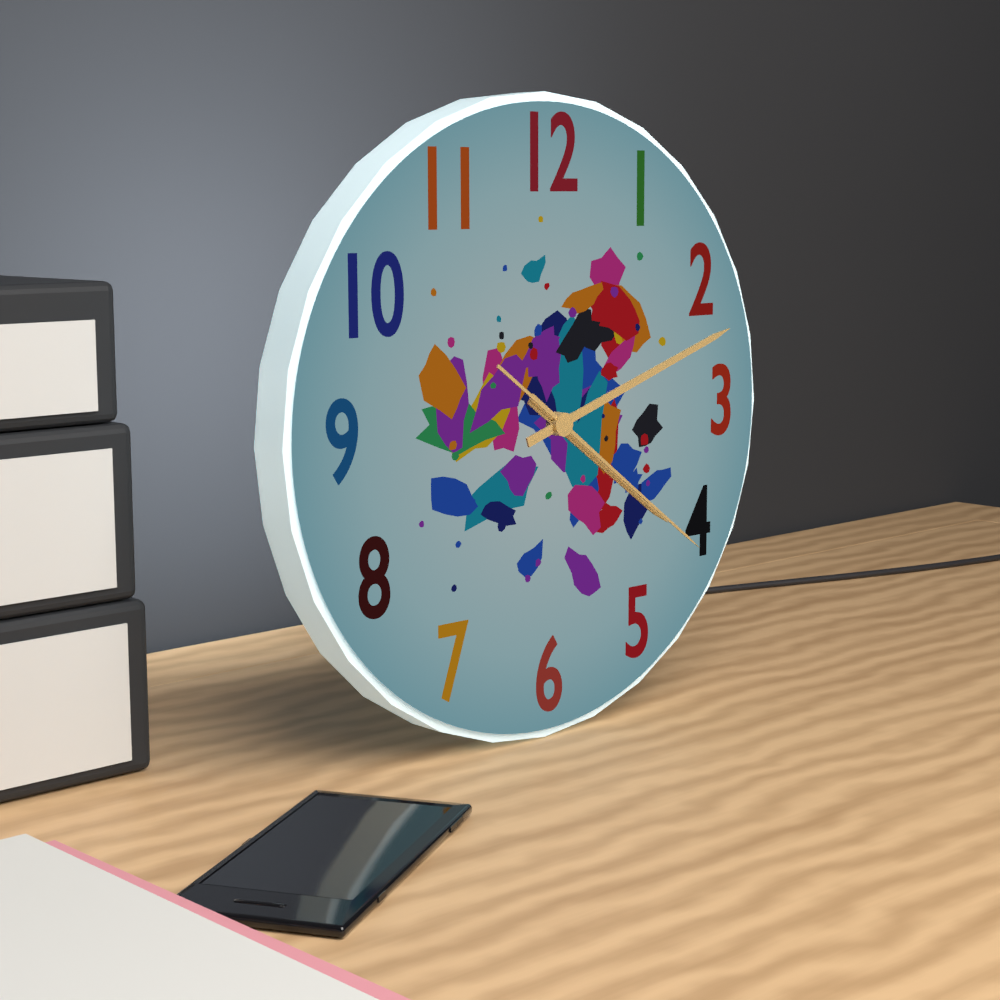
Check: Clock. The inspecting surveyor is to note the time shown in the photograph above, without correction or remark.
4:12:21
